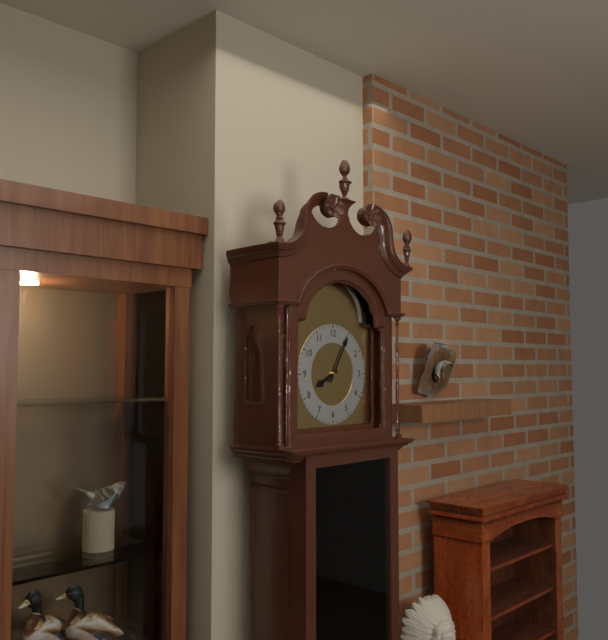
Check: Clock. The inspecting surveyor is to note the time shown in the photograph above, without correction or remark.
8:05
